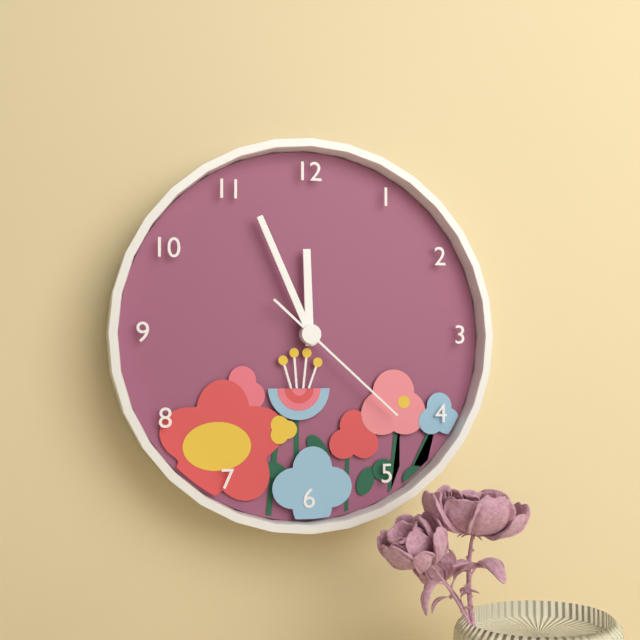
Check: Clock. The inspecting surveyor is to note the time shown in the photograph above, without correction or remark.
11:56:22
